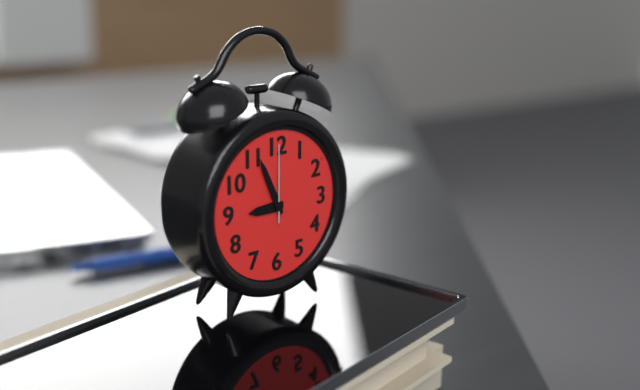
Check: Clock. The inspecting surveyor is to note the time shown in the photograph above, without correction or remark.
8:56:00
